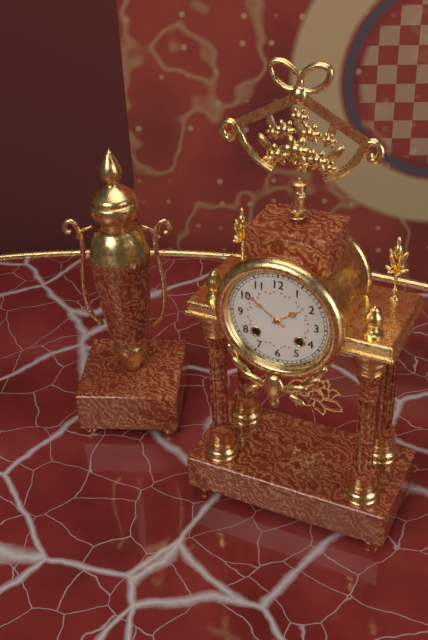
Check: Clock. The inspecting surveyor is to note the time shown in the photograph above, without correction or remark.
1:51
